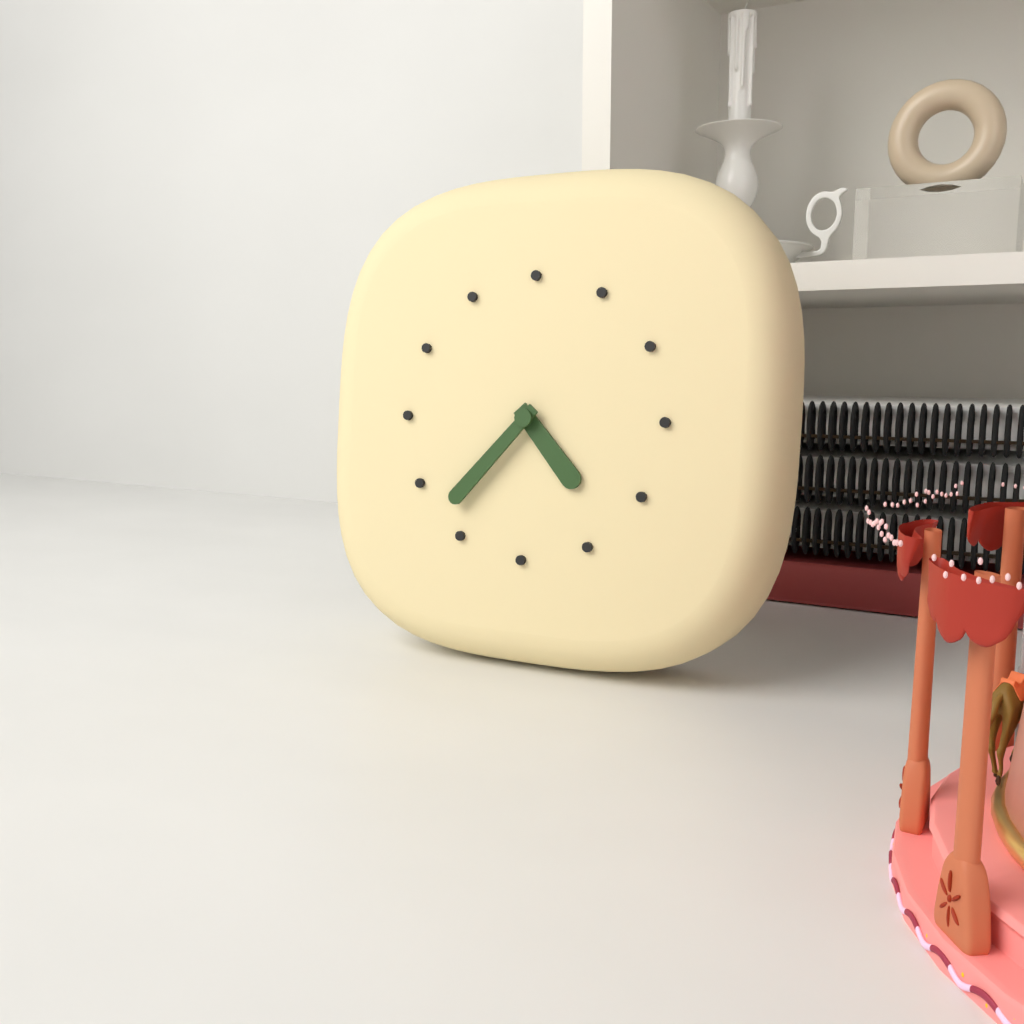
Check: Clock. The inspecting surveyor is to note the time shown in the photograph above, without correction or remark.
4:37
